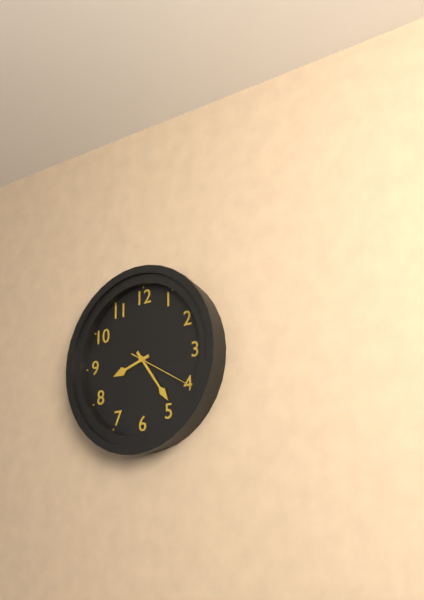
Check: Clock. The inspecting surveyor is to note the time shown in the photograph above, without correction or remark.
8:24:20
